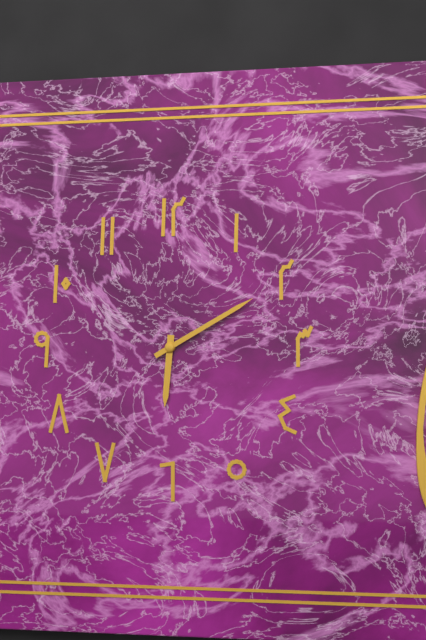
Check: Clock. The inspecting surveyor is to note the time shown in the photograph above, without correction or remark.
6:10
